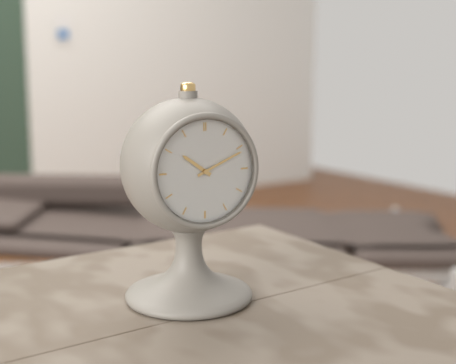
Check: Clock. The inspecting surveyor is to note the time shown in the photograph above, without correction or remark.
10:11
